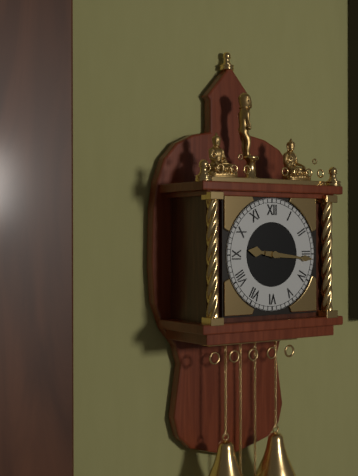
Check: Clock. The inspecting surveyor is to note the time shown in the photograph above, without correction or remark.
9:16
